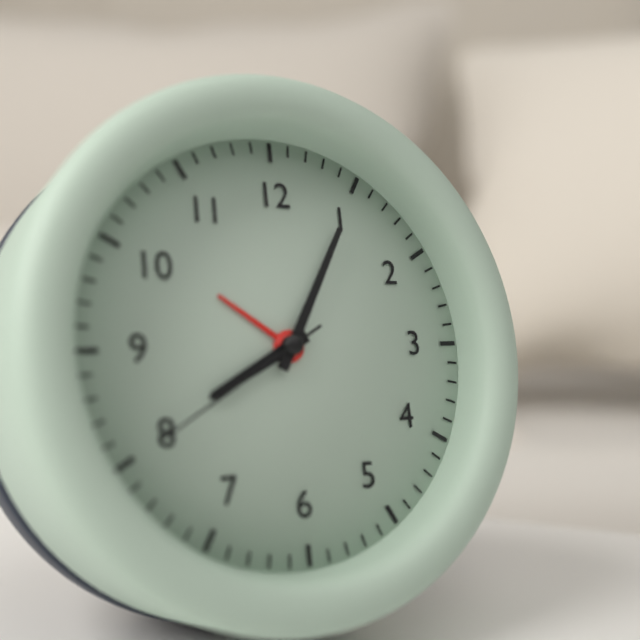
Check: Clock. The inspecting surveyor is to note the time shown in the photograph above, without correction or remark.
8:05:40
